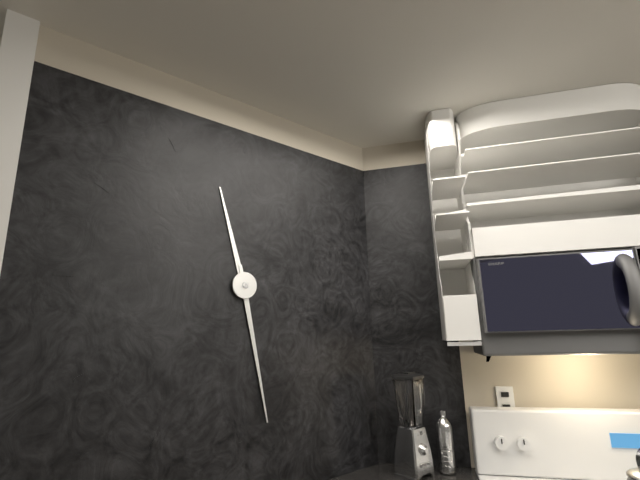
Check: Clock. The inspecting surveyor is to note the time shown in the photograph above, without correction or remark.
11:28
